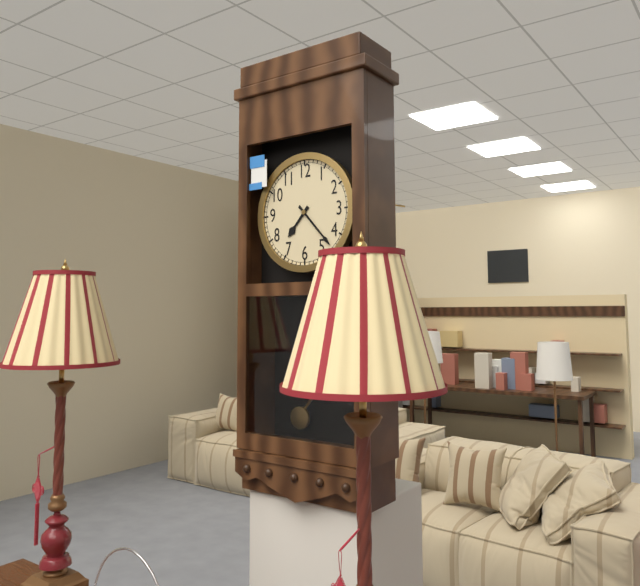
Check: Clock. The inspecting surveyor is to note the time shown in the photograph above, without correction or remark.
7:23
